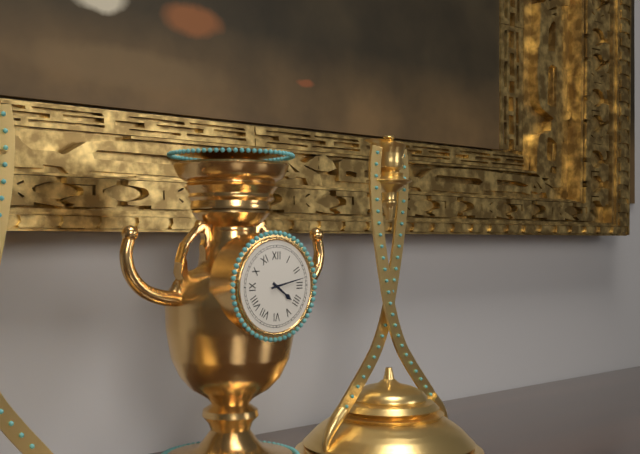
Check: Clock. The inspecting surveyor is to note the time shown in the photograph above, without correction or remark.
4:13
